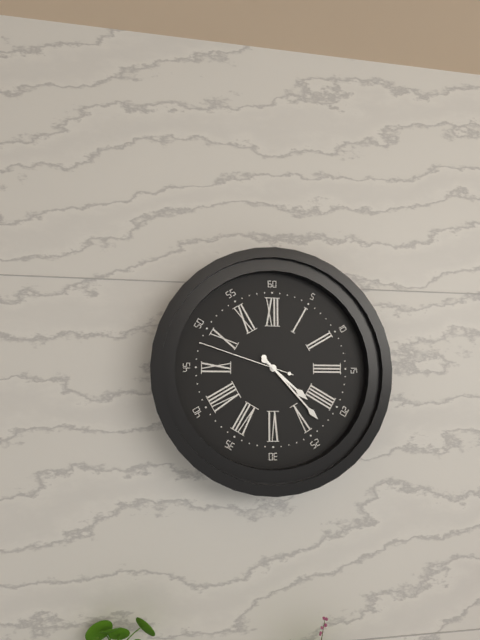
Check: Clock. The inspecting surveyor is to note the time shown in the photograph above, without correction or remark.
4:23:48
